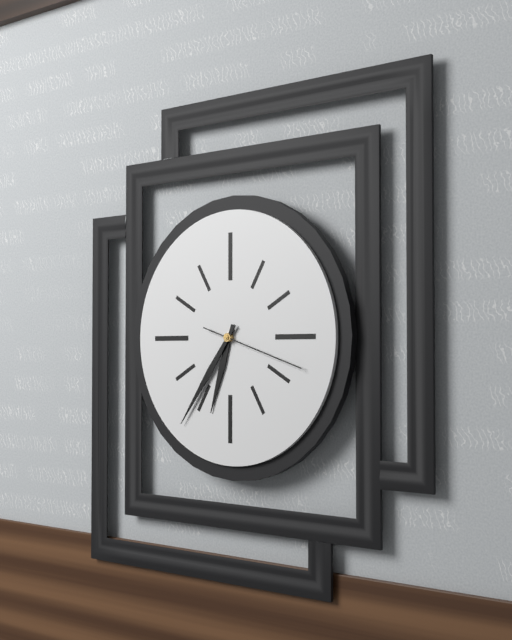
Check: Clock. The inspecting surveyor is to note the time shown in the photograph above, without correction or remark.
6:36:18
